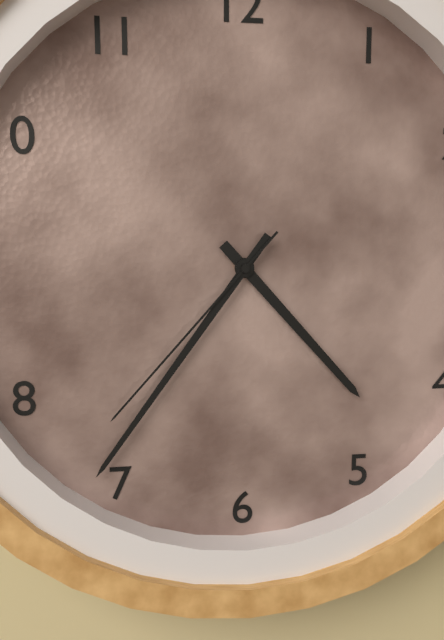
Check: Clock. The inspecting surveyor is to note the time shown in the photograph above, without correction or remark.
4:36:37
